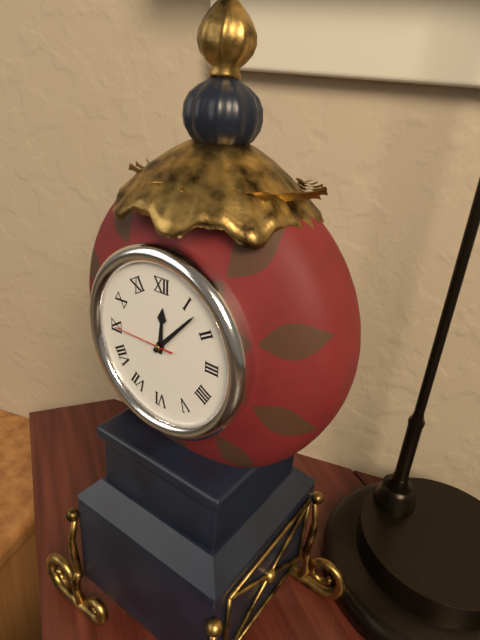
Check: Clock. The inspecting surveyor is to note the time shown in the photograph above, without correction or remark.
12:07:45
